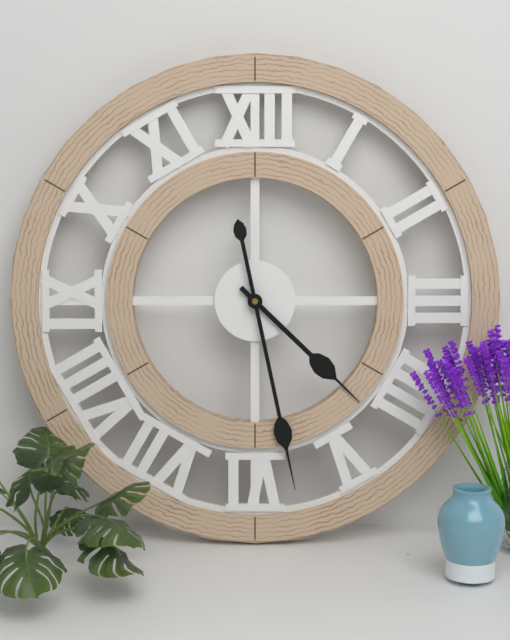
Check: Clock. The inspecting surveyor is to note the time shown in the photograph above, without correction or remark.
4:28
